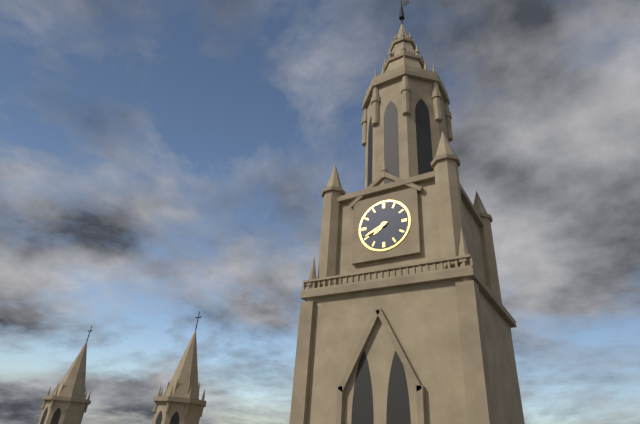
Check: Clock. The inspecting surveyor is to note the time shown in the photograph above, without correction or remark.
7:41
